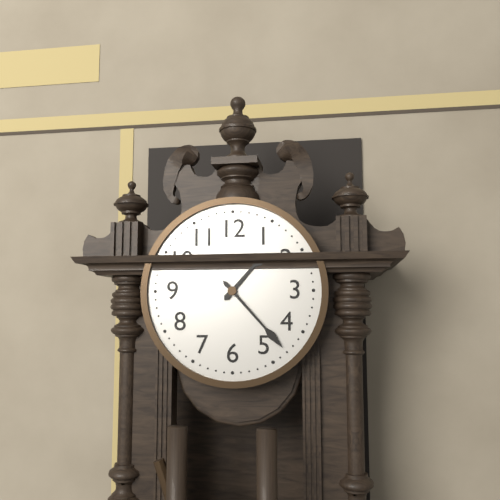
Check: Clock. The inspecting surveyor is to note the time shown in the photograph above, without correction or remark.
1:23
